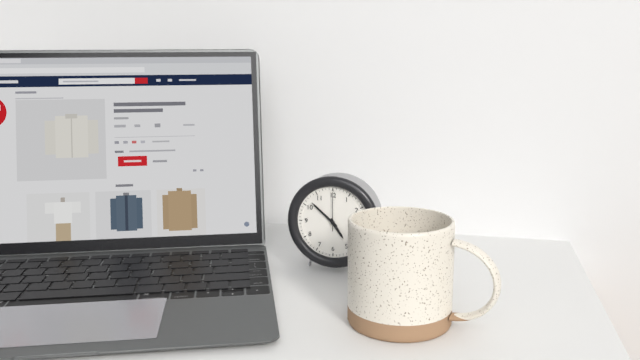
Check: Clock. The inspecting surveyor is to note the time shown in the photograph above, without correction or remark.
4:52
